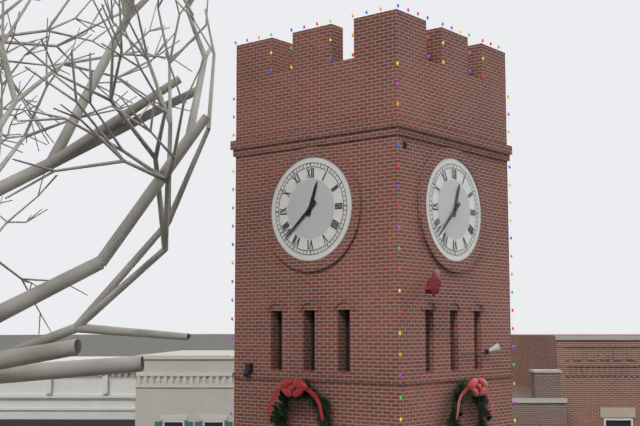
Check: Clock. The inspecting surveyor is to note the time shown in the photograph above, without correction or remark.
12:38
